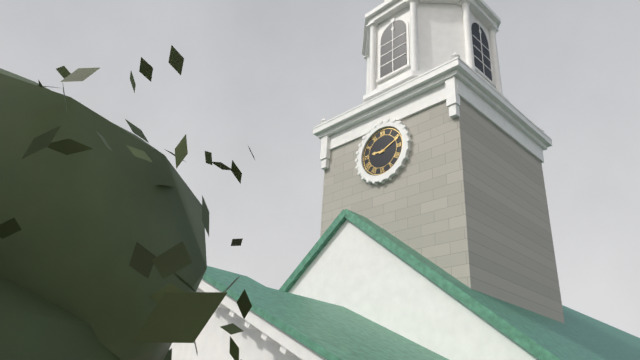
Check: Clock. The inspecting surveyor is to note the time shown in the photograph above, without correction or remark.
9:11
